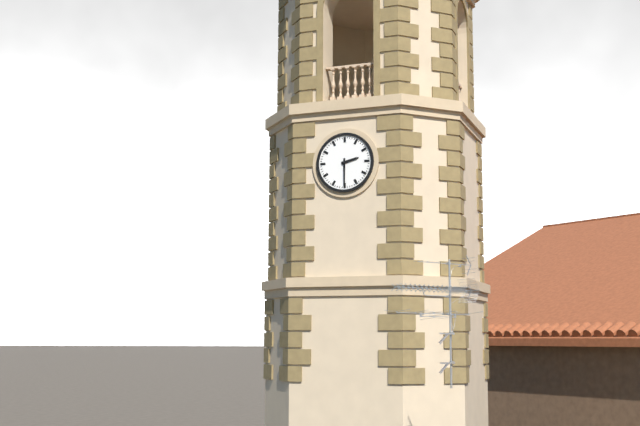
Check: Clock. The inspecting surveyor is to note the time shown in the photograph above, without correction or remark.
2:30
